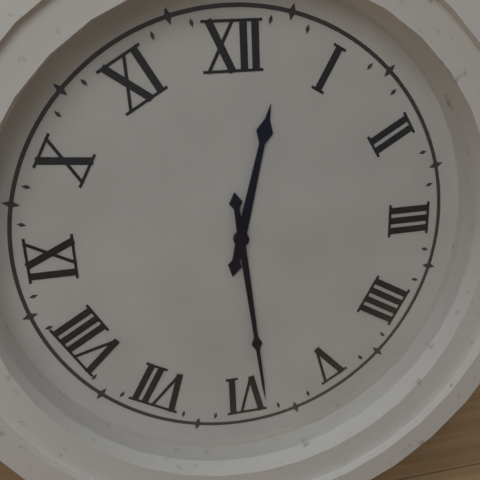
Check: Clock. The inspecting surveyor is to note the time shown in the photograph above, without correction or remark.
12:29
